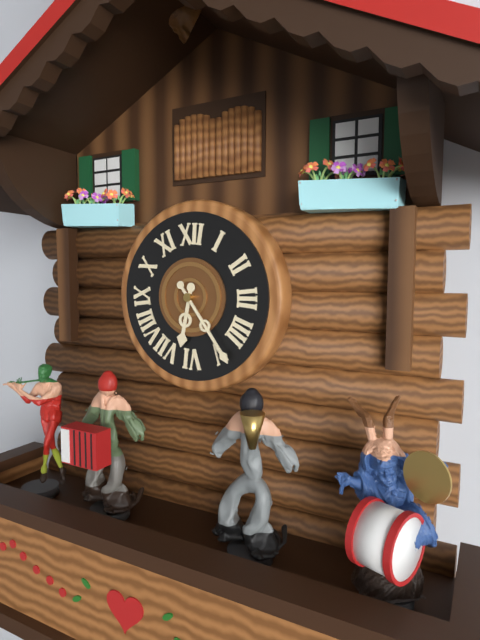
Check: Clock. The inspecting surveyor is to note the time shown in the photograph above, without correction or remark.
6:24
